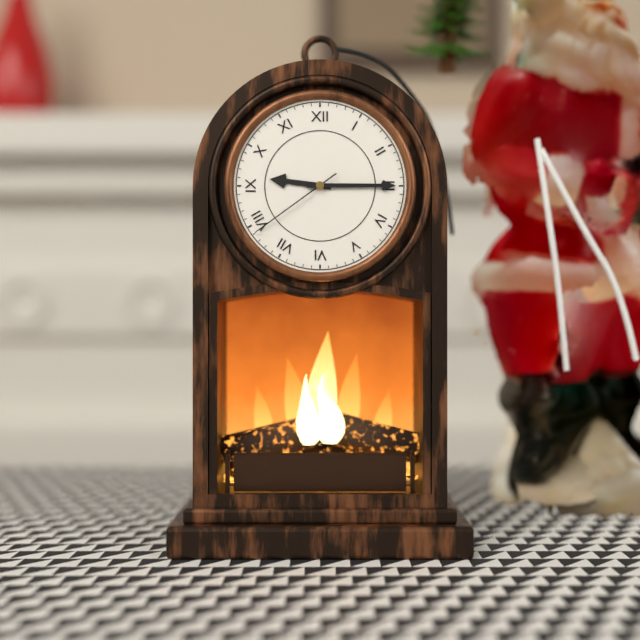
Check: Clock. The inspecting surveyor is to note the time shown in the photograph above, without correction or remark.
9:15:39
